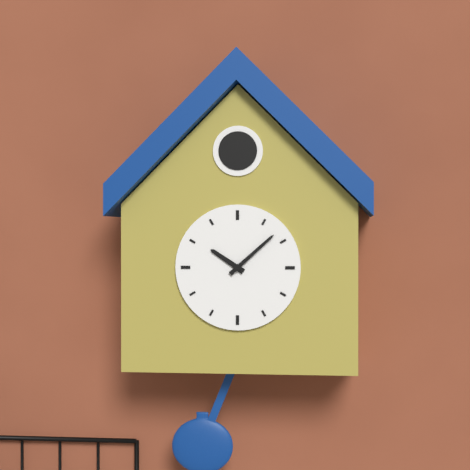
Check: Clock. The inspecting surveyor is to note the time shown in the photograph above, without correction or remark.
10:08
